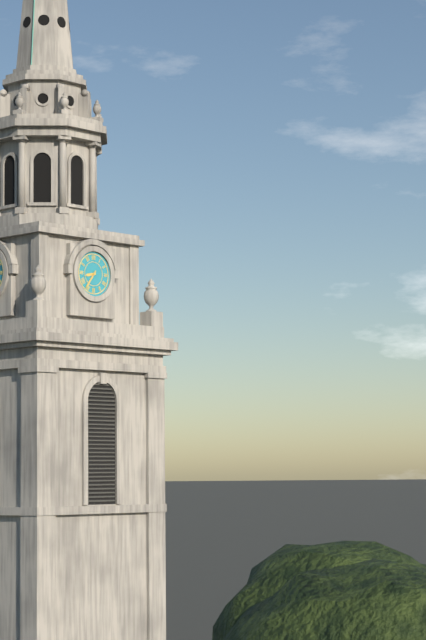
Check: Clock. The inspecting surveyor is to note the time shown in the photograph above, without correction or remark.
8:36
